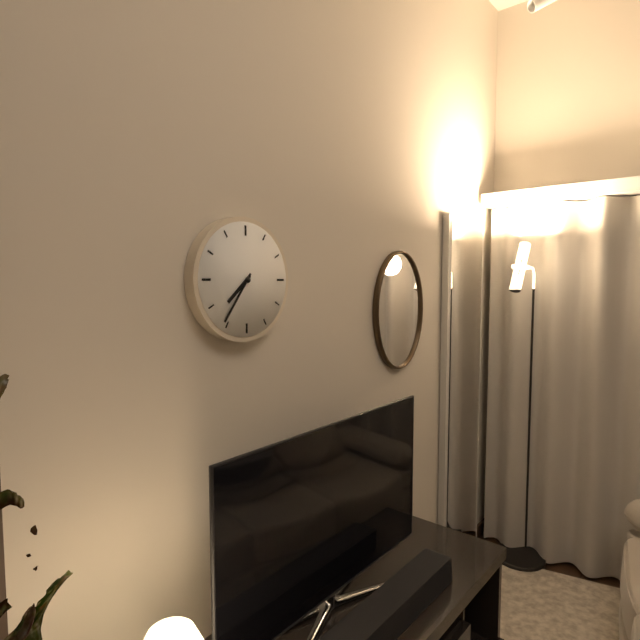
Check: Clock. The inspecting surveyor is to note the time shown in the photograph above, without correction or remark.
7:36
